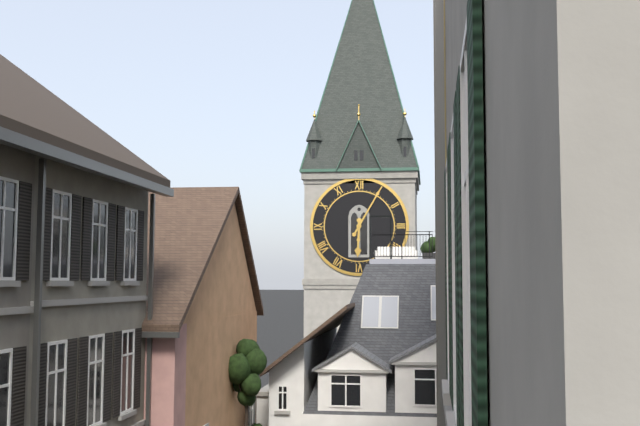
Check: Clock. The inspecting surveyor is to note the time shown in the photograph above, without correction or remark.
6:05
